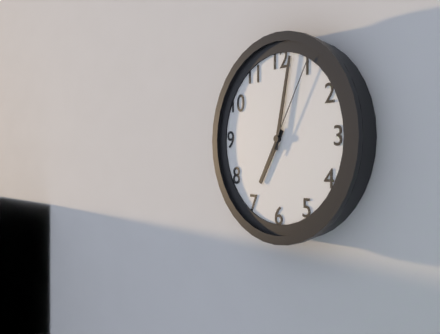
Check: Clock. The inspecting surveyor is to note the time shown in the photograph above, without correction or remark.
7:02:05
